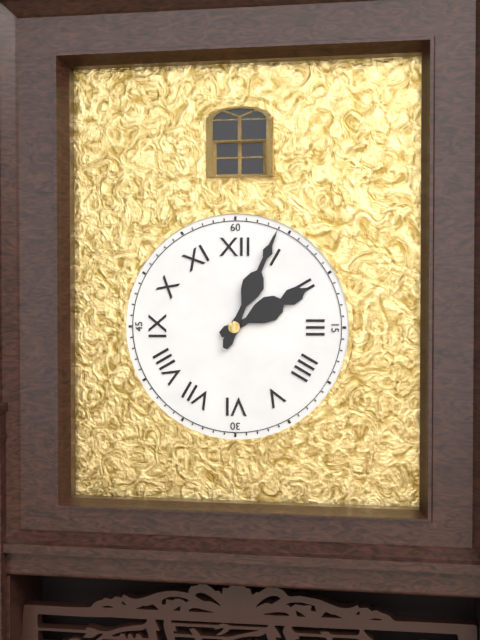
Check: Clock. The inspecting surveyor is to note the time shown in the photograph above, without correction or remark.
2:04
